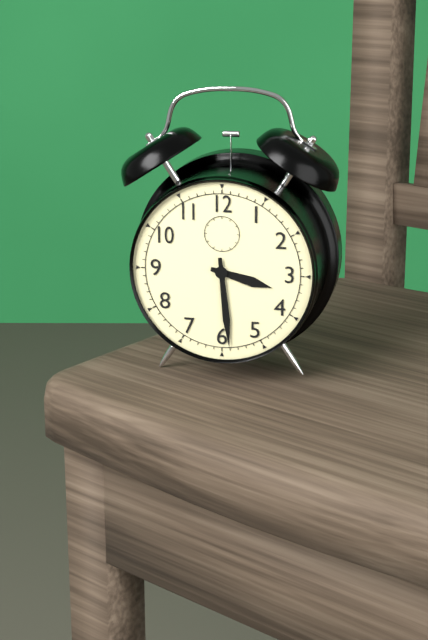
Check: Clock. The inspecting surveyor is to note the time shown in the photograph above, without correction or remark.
3:29
